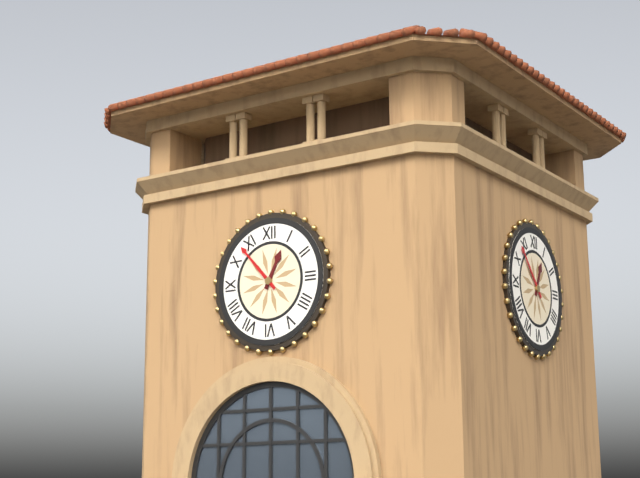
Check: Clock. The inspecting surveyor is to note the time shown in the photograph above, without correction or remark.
12:53
